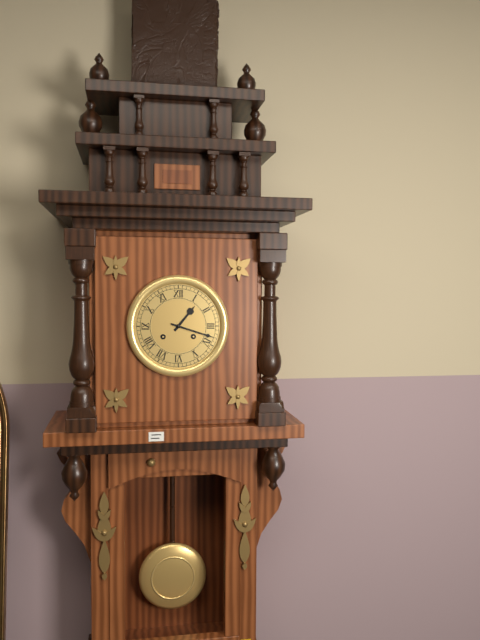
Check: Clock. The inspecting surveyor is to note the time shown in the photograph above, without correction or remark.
1:18
